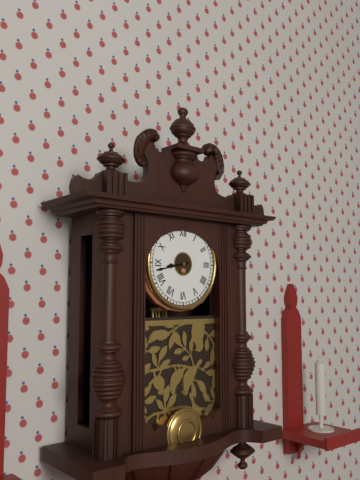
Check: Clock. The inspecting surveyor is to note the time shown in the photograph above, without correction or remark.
8:43
